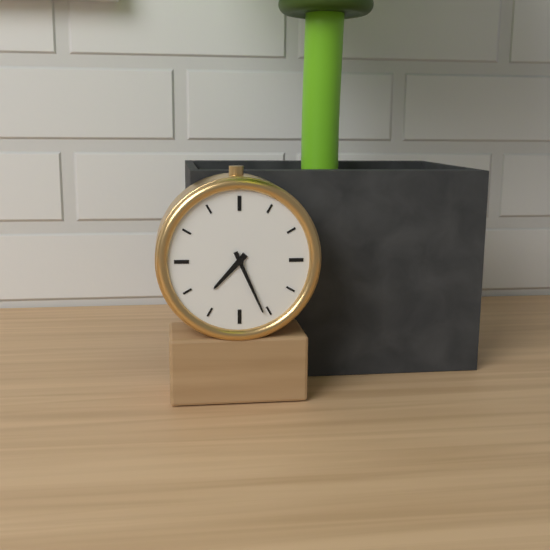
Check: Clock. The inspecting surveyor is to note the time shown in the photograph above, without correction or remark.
7:26
